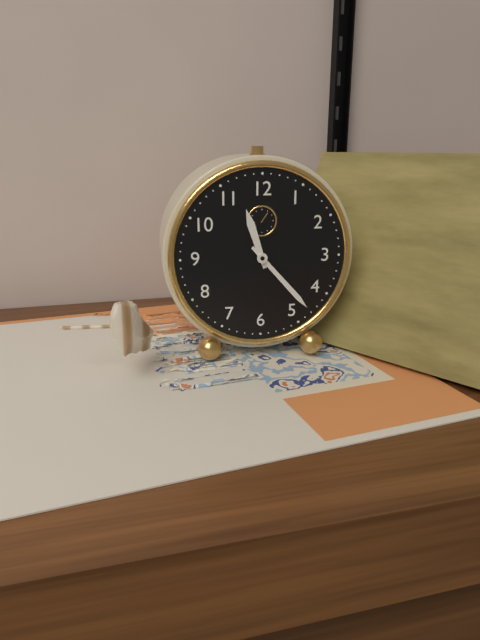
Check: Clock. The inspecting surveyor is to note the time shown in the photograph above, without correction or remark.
11:23
